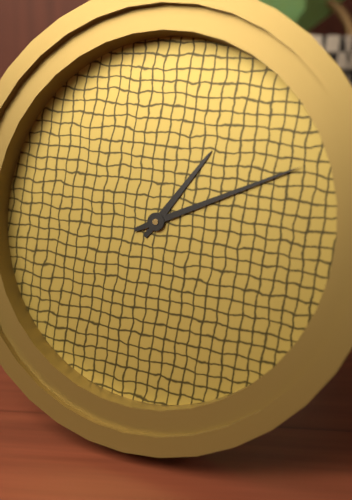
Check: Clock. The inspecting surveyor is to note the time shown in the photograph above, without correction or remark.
1:11
